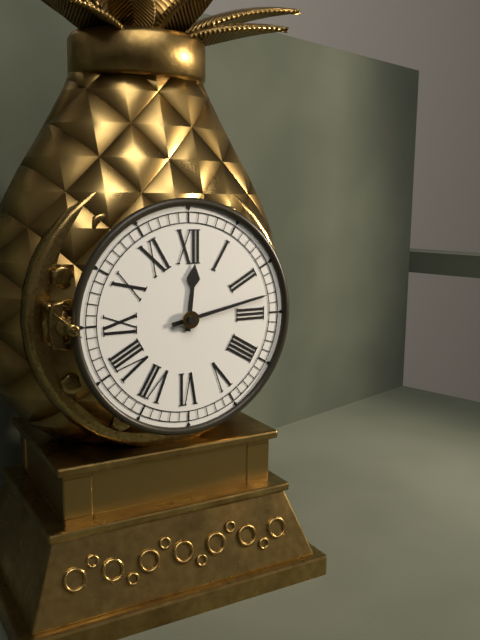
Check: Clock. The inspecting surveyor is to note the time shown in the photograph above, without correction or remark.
12:13
